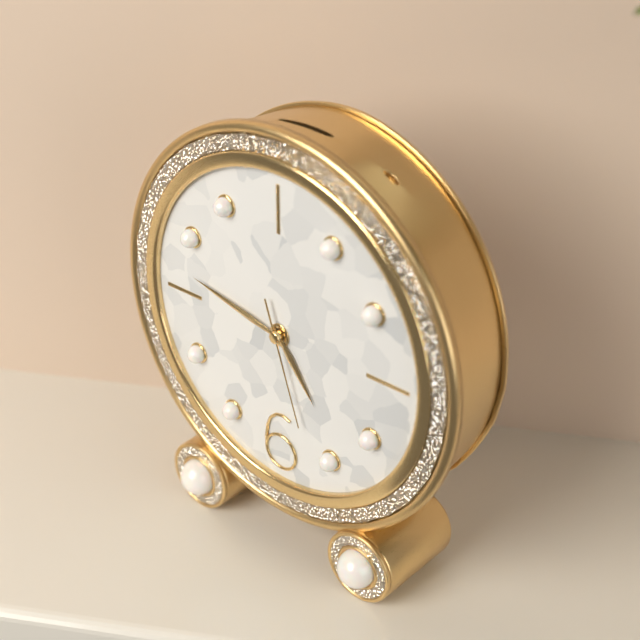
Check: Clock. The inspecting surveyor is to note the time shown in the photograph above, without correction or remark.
4:47:27
